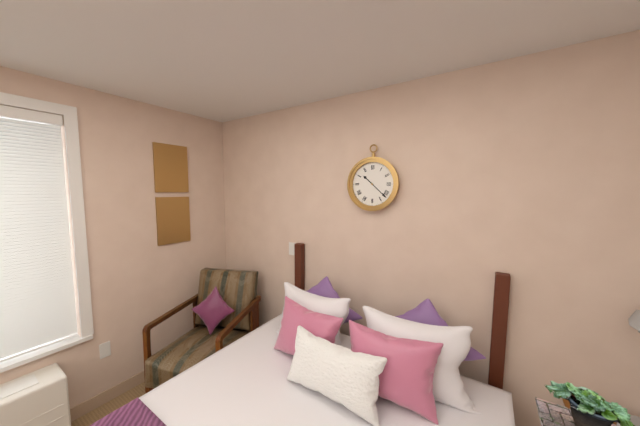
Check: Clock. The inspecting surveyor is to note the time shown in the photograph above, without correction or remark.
10:22
